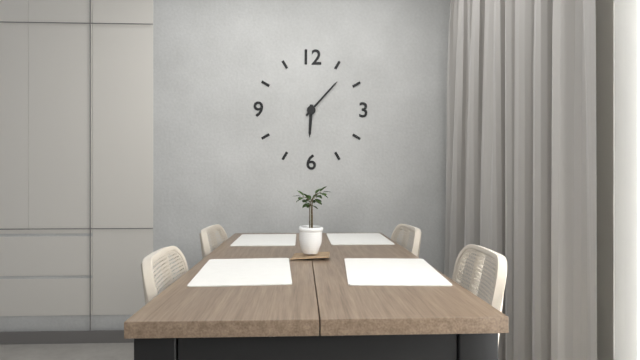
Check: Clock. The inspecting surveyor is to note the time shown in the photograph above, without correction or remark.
6:07
